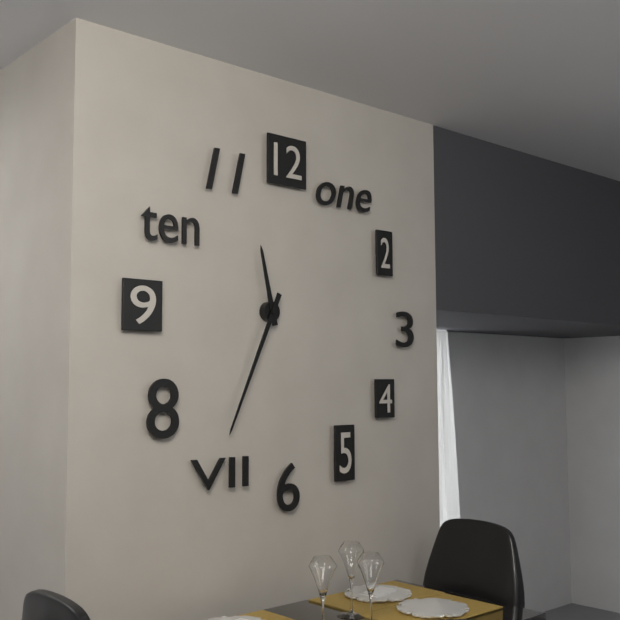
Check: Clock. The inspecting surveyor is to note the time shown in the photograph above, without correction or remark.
11:34
